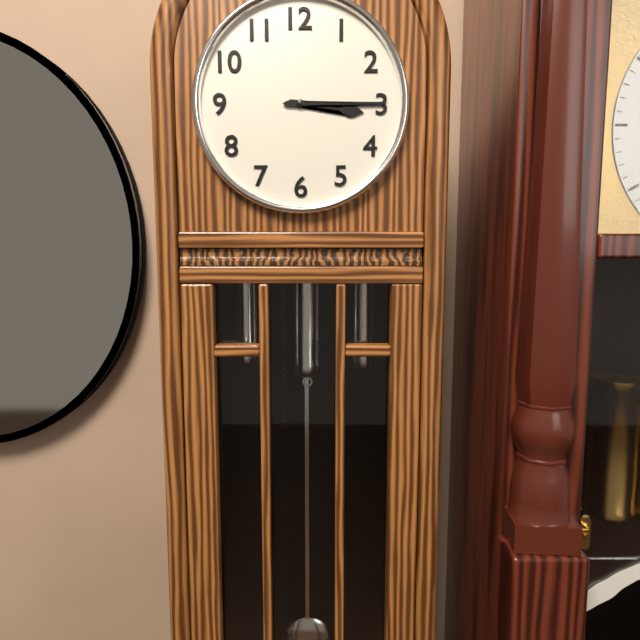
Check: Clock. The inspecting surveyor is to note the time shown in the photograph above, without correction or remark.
3:15
